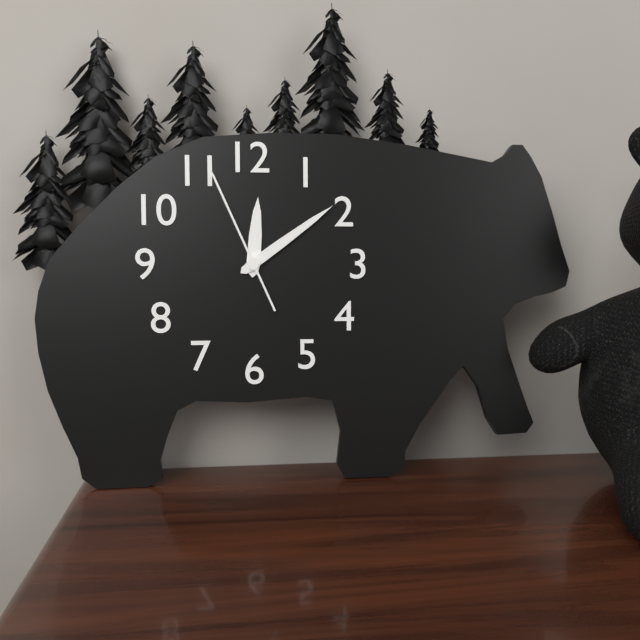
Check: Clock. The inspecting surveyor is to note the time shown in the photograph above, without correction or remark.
12:09:56
